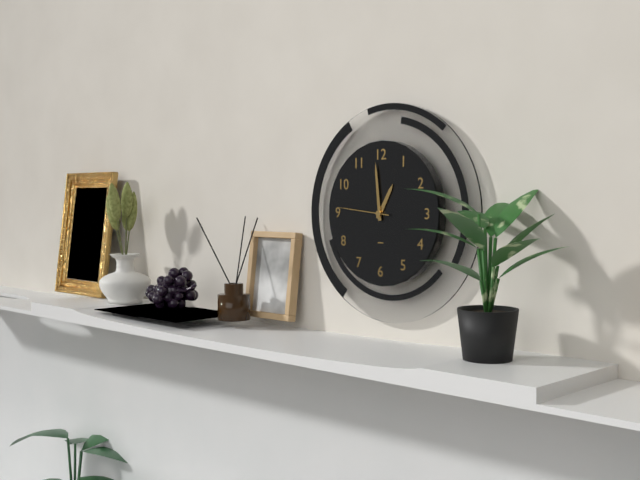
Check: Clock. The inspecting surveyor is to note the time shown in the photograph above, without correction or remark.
12:59:46
